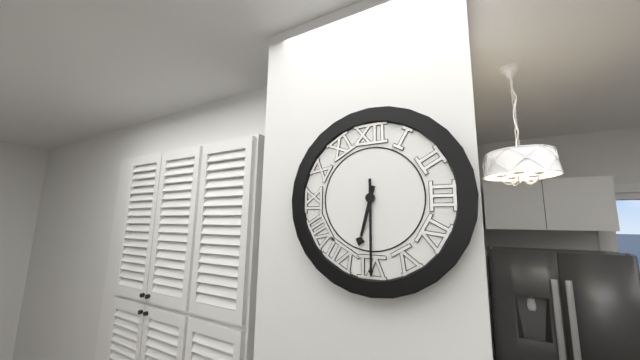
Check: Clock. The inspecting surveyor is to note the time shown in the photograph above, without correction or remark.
6:30
